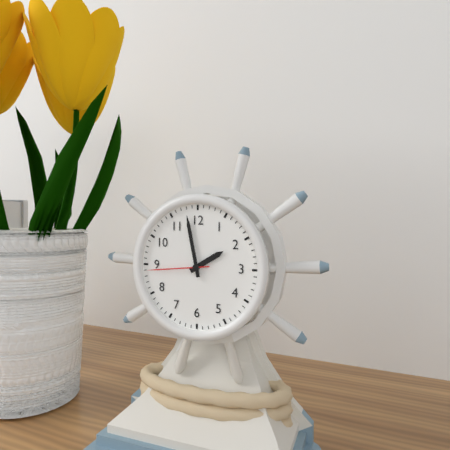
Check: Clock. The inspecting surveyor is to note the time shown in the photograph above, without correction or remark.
1:58:44
